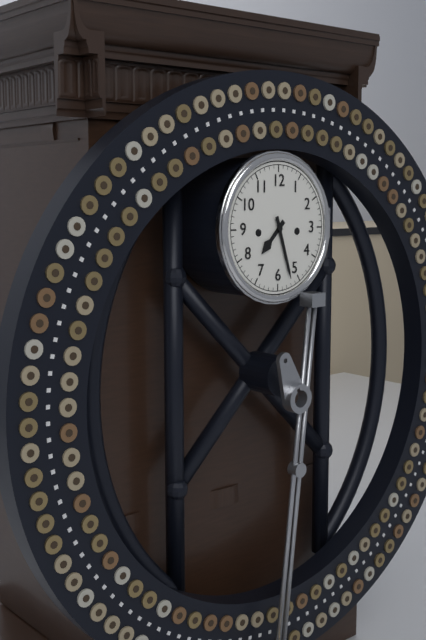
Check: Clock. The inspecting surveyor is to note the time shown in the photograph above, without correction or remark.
7:27
